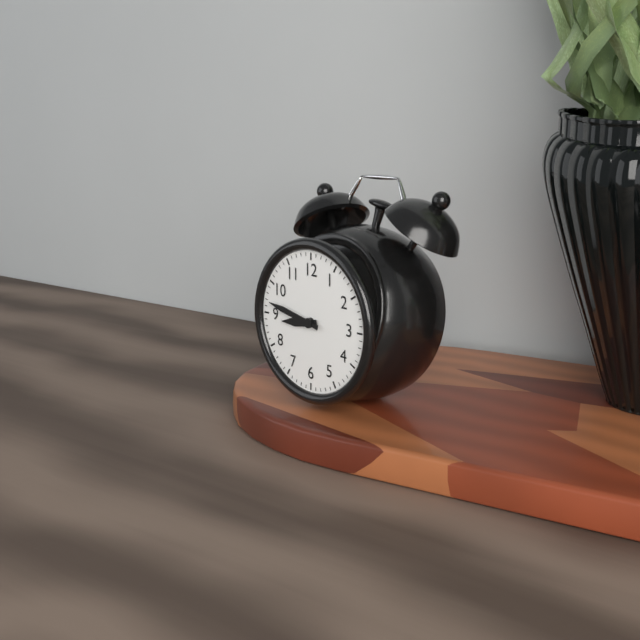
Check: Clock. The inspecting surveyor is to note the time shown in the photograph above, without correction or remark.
8:47
